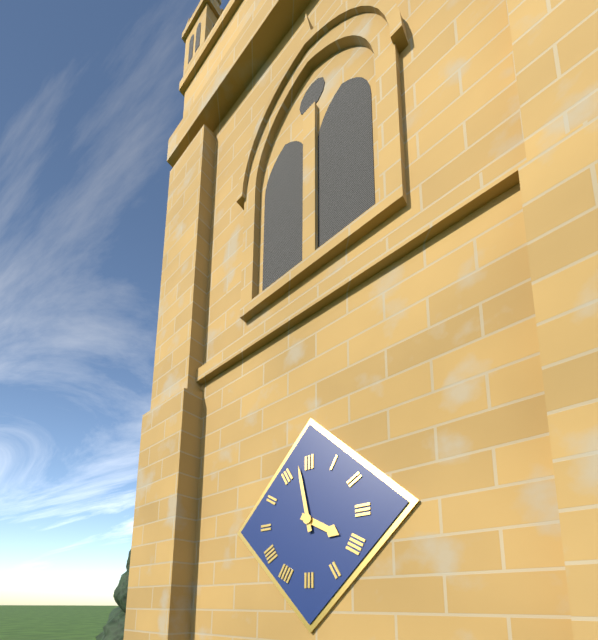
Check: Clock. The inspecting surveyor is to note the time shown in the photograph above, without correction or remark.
3:58
